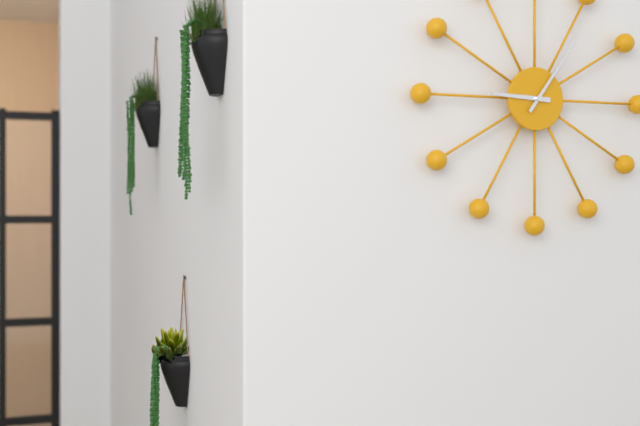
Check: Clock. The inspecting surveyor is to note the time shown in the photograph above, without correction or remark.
9:06
